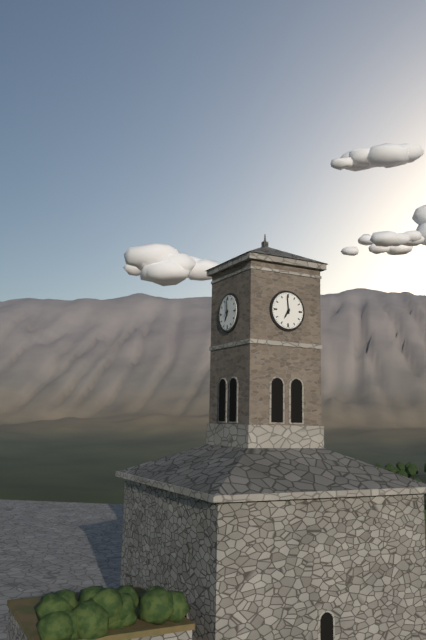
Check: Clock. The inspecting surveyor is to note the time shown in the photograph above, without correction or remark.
6:59
